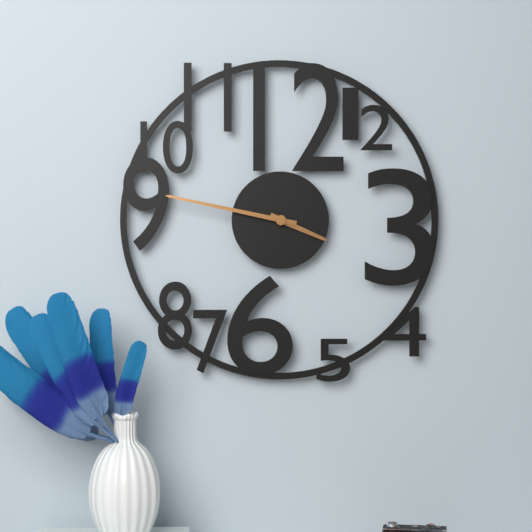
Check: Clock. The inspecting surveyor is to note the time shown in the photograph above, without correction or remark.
3:47
